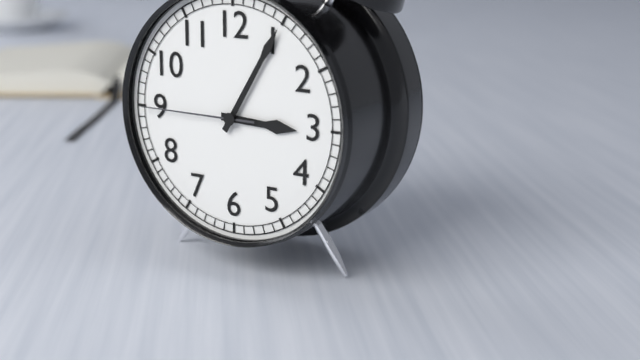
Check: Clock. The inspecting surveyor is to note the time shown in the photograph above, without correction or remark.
3:05:45
